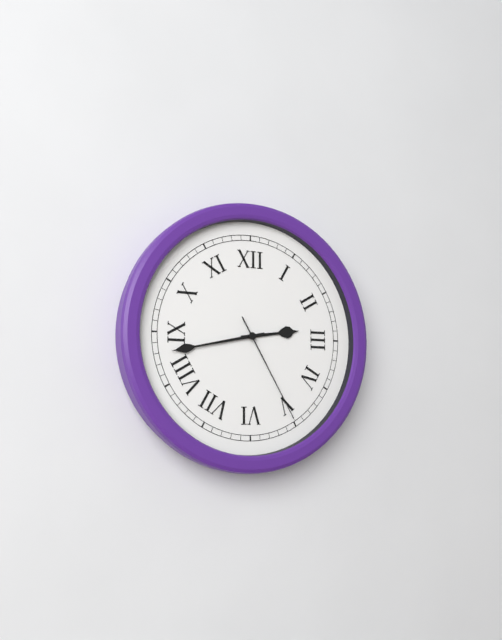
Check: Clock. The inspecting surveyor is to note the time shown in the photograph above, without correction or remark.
2:43:25
